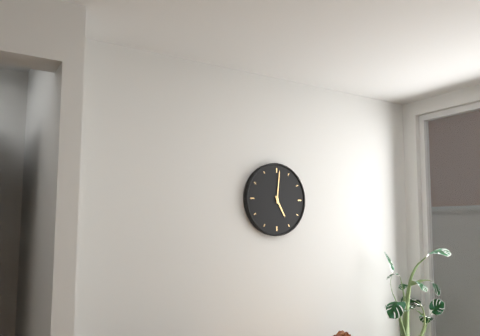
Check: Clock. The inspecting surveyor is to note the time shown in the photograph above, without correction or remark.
5:01
